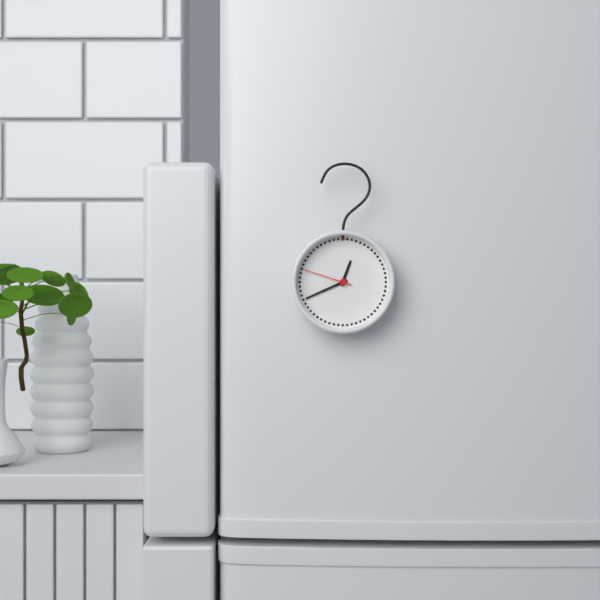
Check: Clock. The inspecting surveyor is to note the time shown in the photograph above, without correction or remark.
12:41:48
